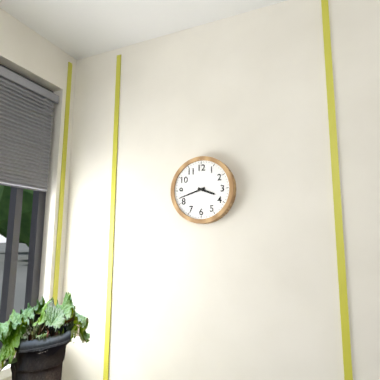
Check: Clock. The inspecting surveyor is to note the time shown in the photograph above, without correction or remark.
3:42
